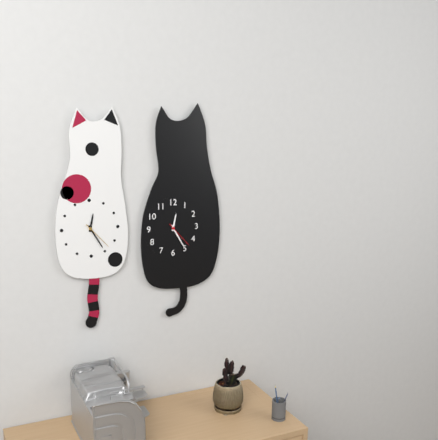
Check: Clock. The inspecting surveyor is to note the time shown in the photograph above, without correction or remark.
12:25
